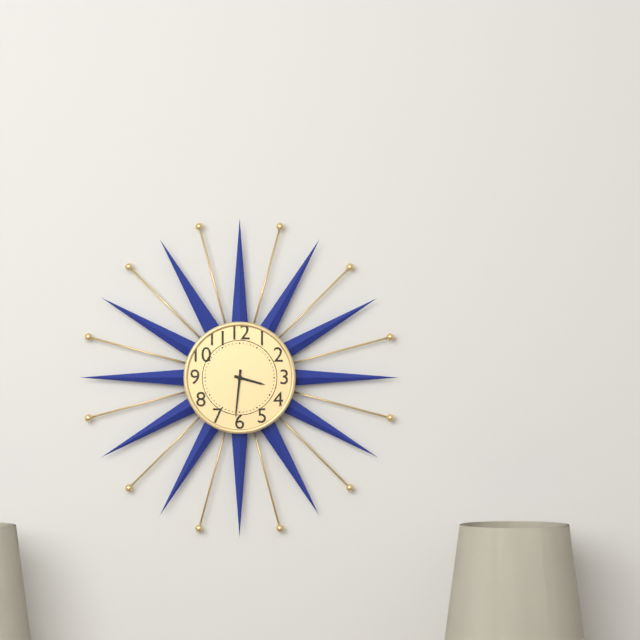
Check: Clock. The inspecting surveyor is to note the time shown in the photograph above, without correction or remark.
3:31
